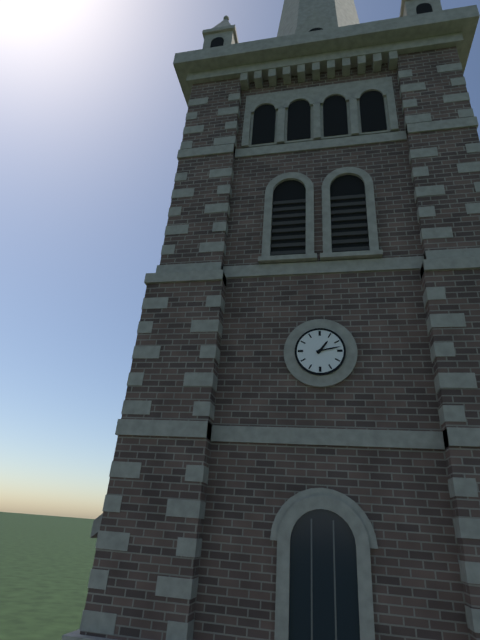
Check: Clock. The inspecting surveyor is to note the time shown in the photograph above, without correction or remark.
1:13
